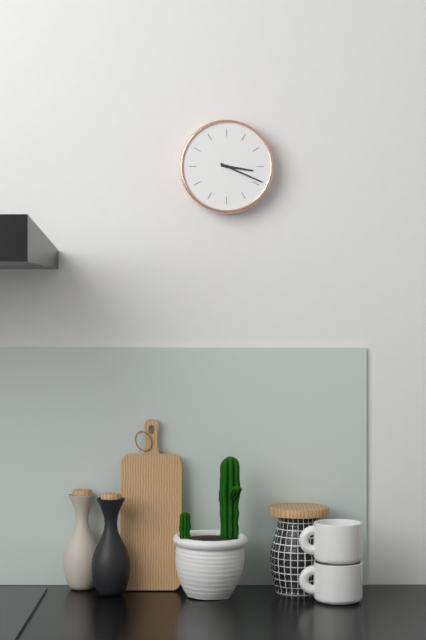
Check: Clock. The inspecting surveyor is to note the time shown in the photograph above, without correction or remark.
3:19
